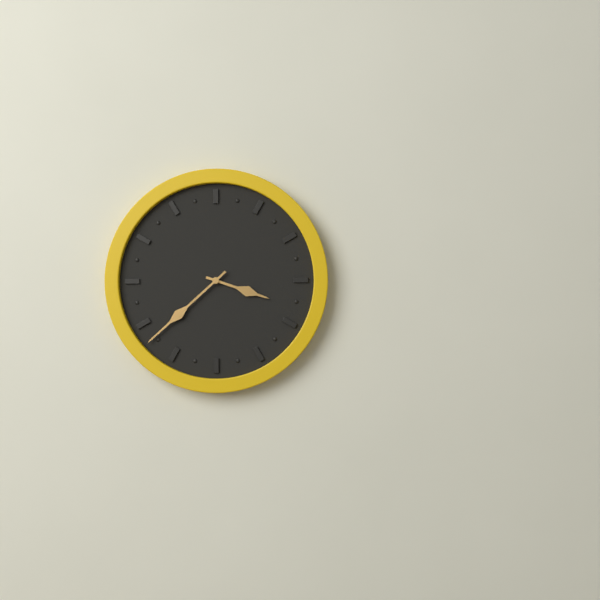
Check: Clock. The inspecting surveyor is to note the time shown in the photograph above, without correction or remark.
3:38
